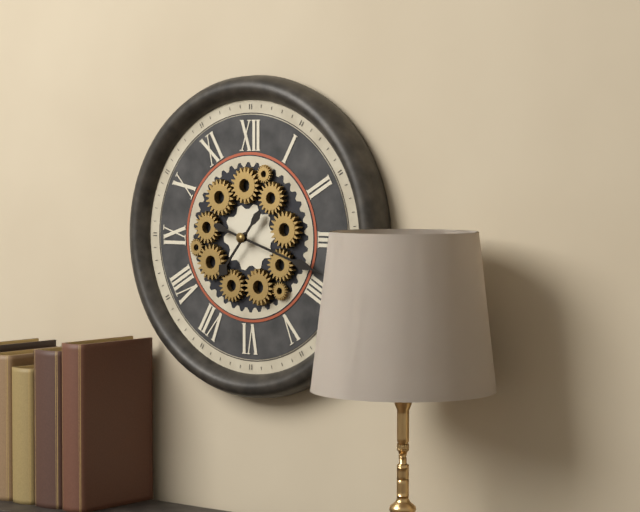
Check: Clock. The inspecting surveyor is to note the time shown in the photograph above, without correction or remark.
7:18
